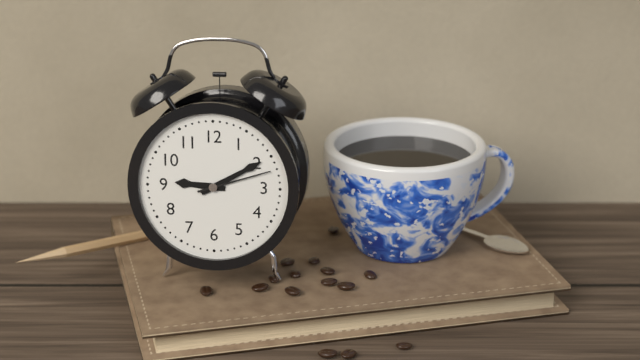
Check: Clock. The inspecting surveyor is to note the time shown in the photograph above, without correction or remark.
9:10:12
